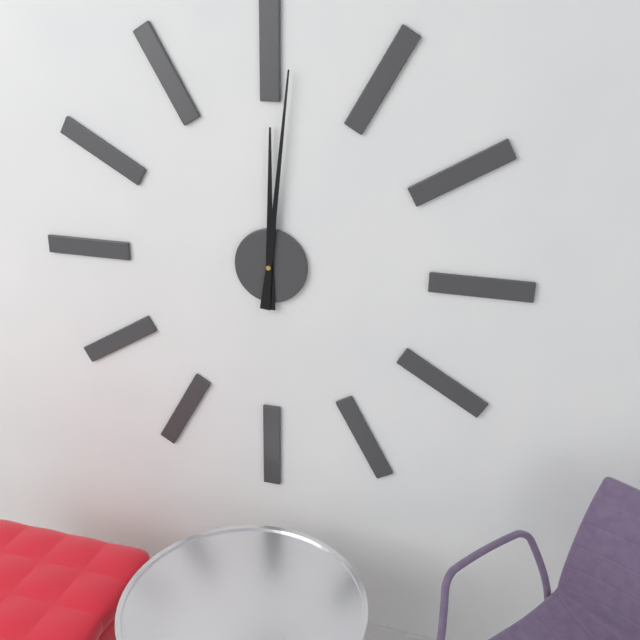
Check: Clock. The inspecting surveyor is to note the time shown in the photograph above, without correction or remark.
12:01
